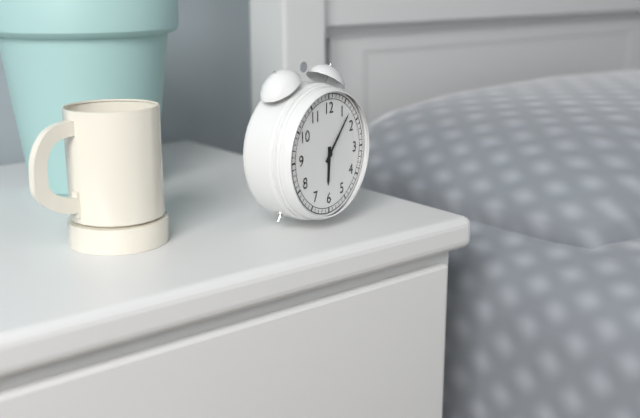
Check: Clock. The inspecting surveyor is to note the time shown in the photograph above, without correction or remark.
6:07
